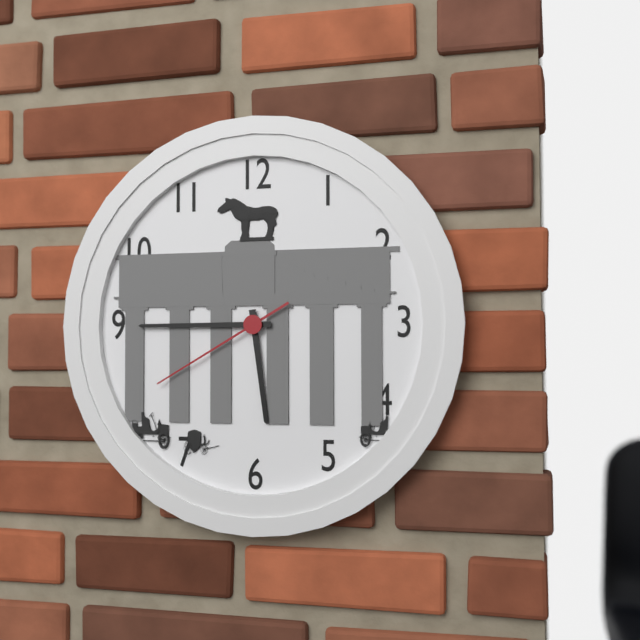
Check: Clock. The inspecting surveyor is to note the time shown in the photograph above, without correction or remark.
5:45:40
